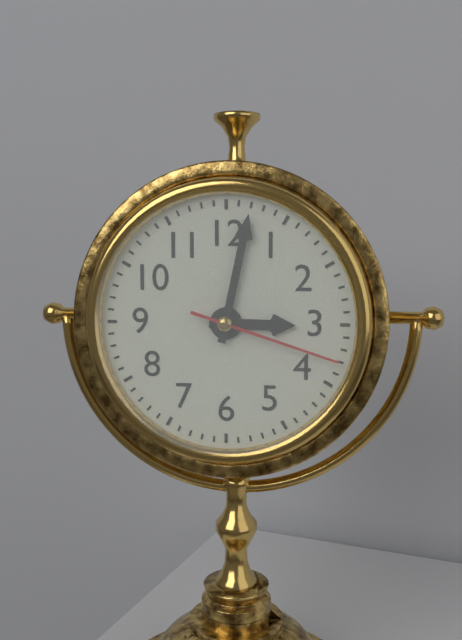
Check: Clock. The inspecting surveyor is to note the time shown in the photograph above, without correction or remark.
3:02:18
